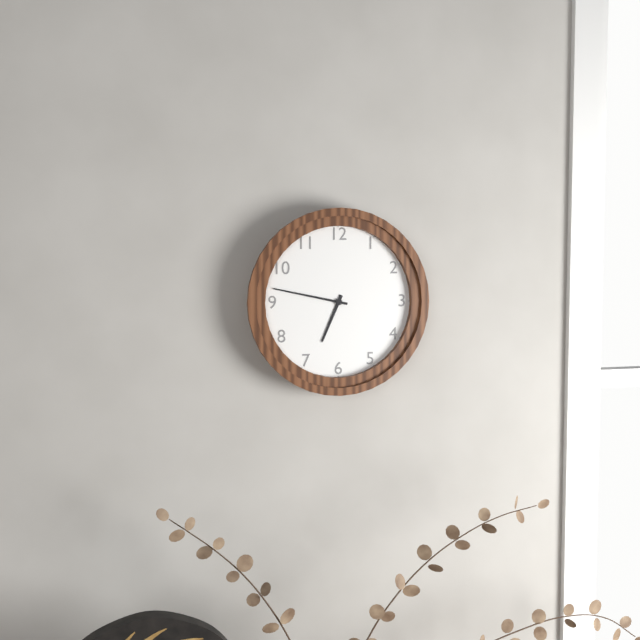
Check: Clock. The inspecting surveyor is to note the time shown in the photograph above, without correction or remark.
6:47
